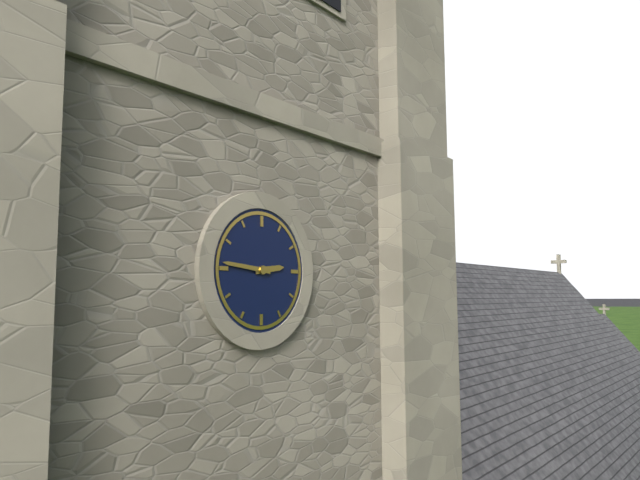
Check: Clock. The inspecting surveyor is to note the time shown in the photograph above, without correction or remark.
2:46
